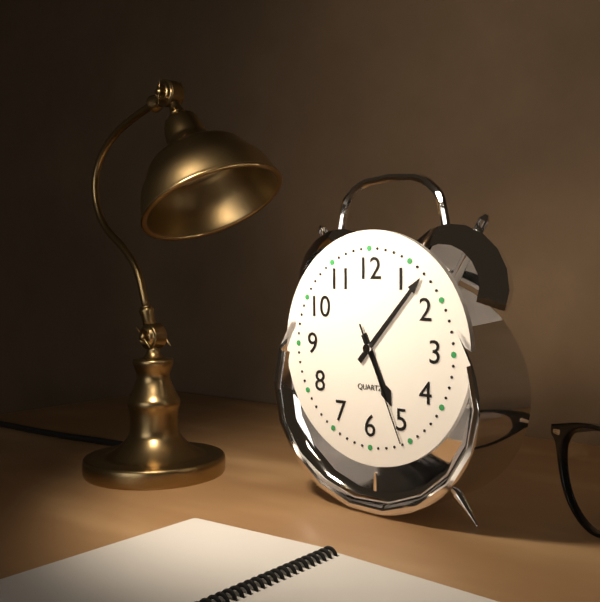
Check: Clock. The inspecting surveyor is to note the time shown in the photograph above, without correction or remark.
5:07:26
